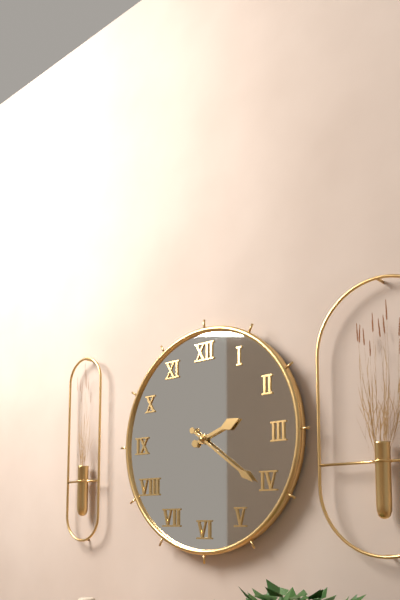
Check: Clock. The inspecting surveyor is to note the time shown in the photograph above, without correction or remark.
2:21
